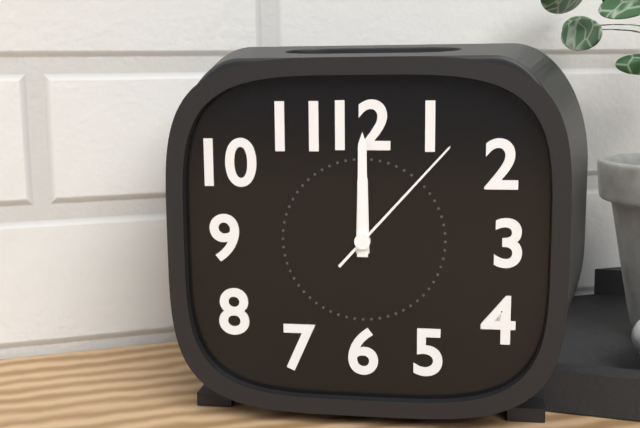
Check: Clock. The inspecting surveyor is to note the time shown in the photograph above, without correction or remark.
12:00:07
